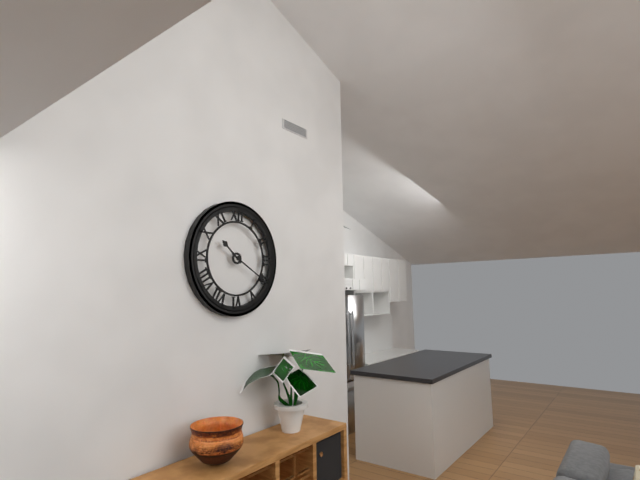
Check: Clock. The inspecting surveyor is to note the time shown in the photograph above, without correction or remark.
10:20
